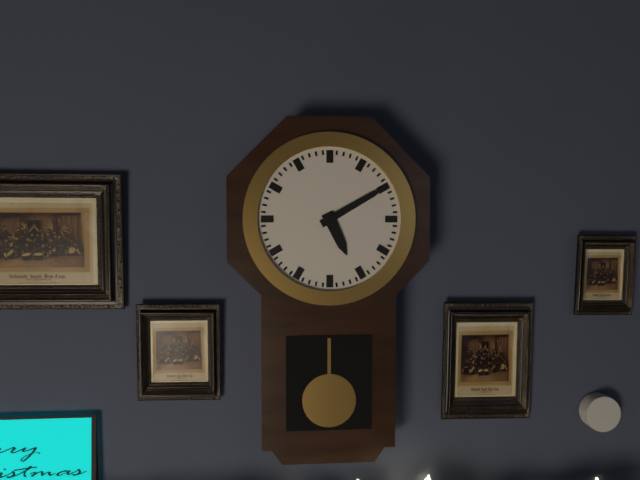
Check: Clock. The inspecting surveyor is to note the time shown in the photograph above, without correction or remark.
5:10
